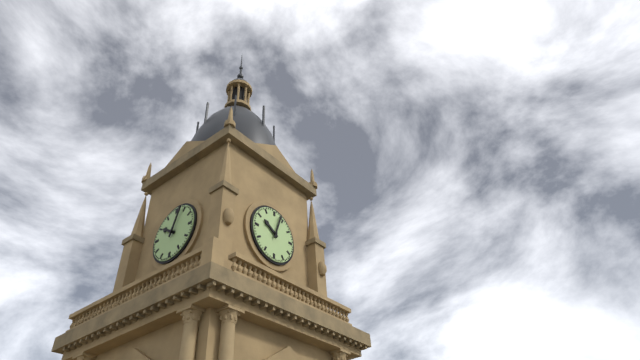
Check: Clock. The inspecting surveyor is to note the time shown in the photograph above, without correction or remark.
10:03
